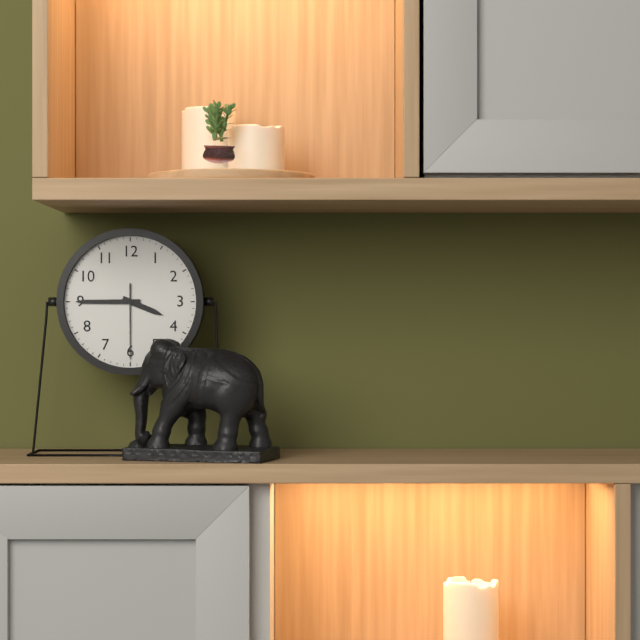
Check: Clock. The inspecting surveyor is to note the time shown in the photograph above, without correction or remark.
3:45:30
